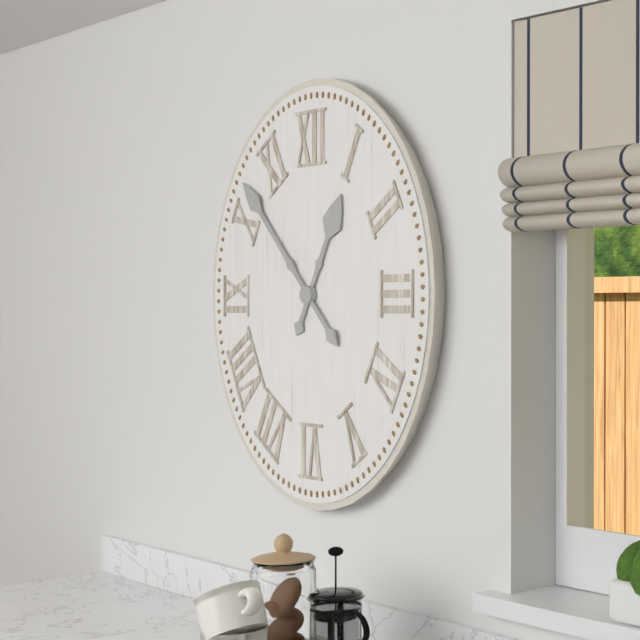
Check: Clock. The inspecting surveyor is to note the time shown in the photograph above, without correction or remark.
12:53
